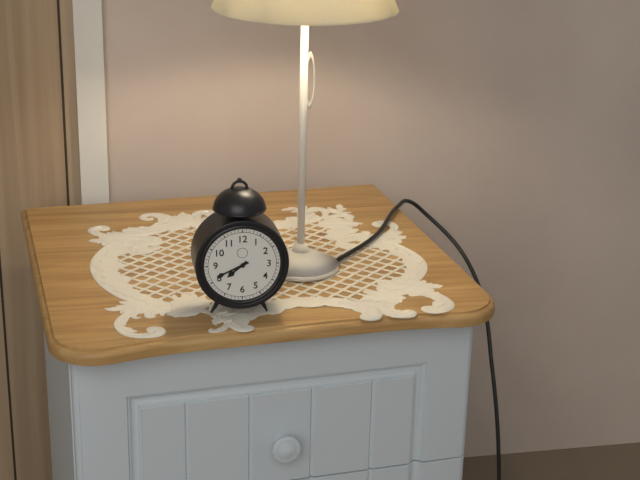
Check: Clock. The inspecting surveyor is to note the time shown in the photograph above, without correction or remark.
7:41
